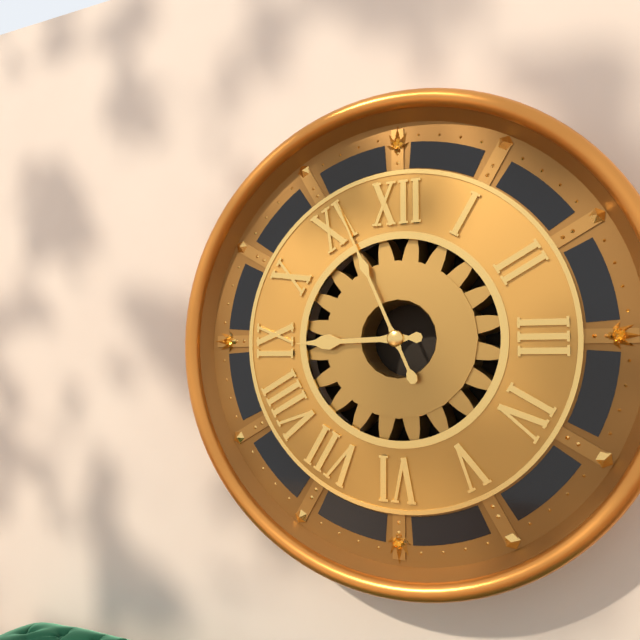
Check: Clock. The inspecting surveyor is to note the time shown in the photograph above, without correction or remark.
8:56
